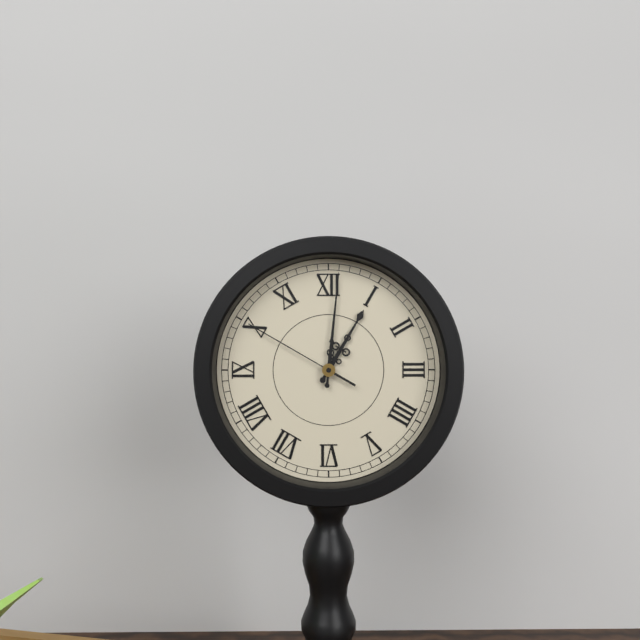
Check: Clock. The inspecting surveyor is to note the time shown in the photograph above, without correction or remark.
1:01:50
